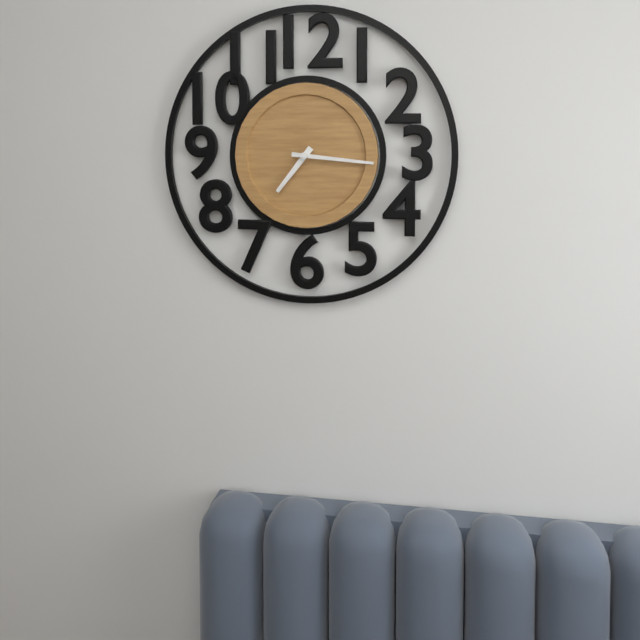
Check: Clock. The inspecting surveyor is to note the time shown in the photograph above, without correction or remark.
7:16
